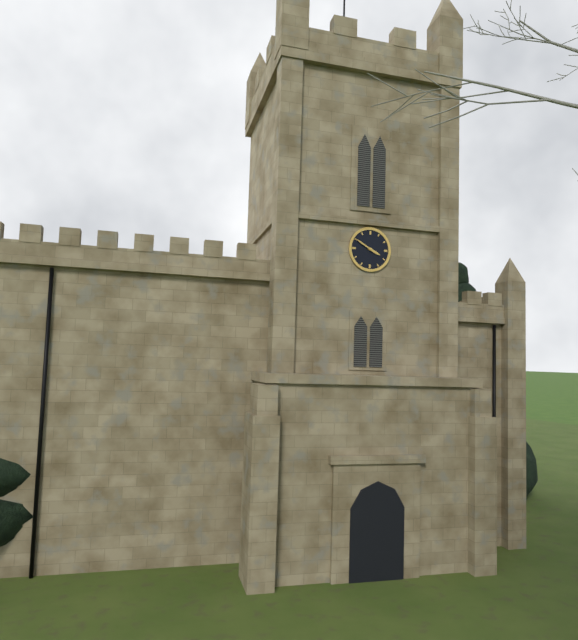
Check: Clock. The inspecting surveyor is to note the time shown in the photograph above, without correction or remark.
3:50
